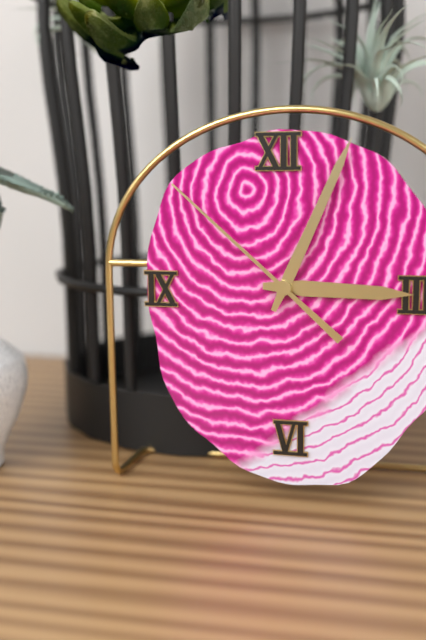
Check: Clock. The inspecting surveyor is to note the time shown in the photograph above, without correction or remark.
3:04:52
